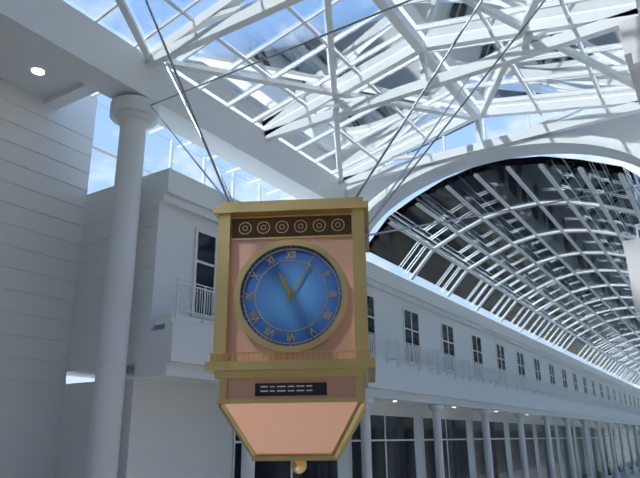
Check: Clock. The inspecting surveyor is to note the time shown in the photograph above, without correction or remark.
11:05
